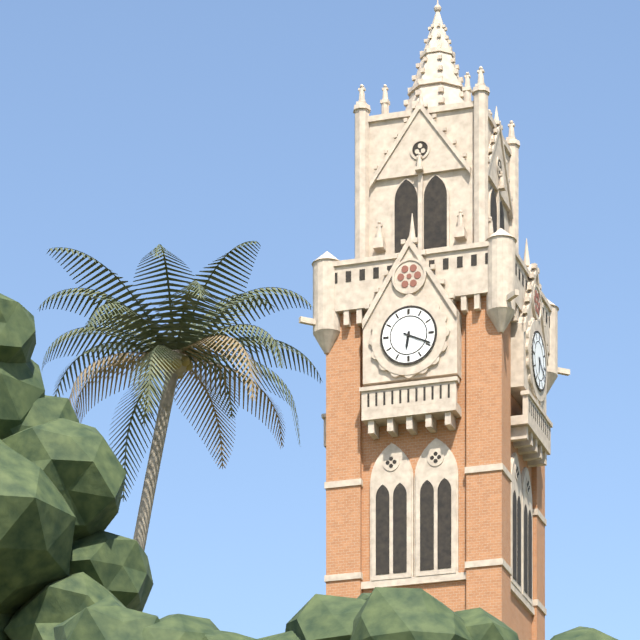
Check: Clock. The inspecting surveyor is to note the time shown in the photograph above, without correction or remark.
6:19
